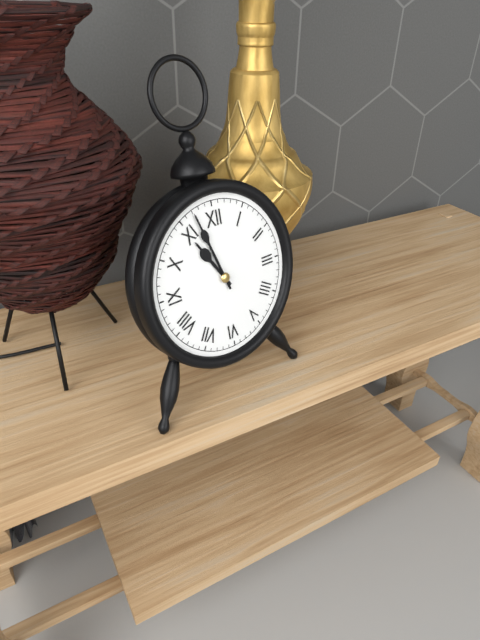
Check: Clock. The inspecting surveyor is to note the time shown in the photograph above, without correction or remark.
10:57
